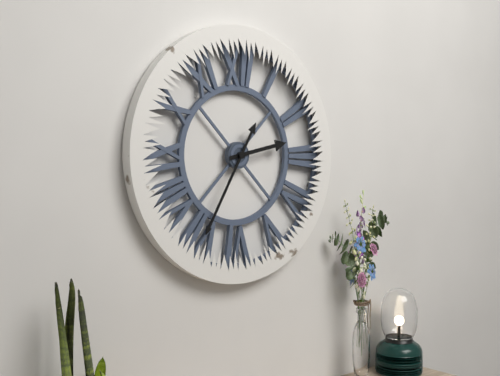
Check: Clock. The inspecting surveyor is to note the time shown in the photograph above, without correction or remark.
2:35
